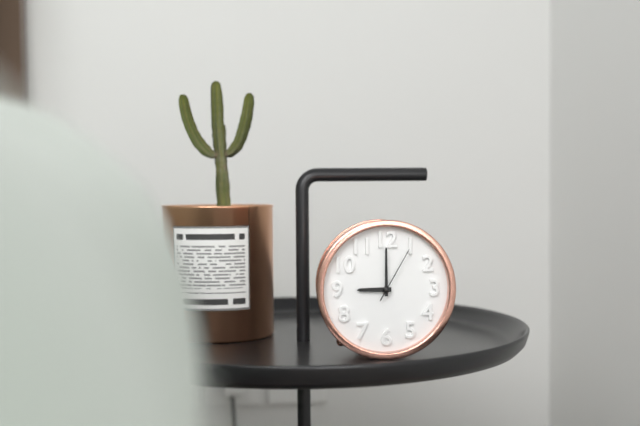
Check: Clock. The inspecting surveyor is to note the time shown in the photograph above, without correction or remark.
9:00:05
